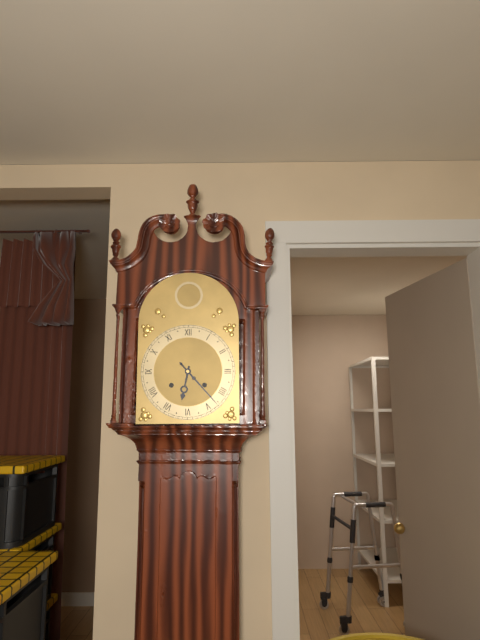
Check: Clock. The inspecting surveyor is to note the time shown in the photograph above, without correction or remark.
6:23
